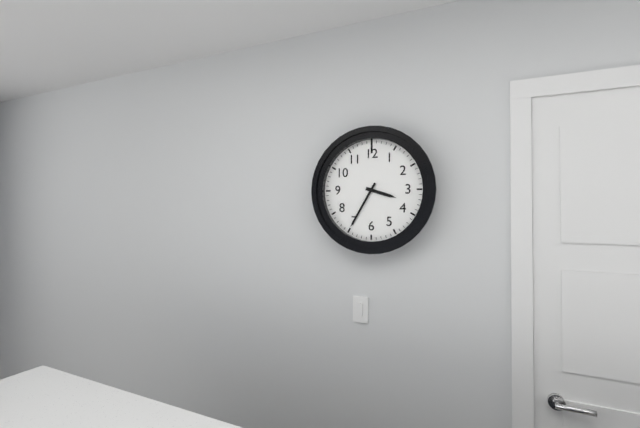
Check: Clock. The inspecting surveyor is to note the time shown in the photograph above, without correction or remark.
3:35
